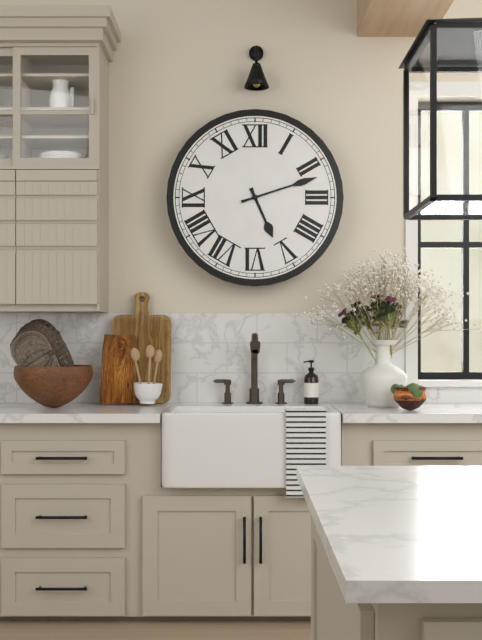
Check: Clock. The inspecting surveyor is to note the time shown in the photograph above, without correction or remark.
5:12
